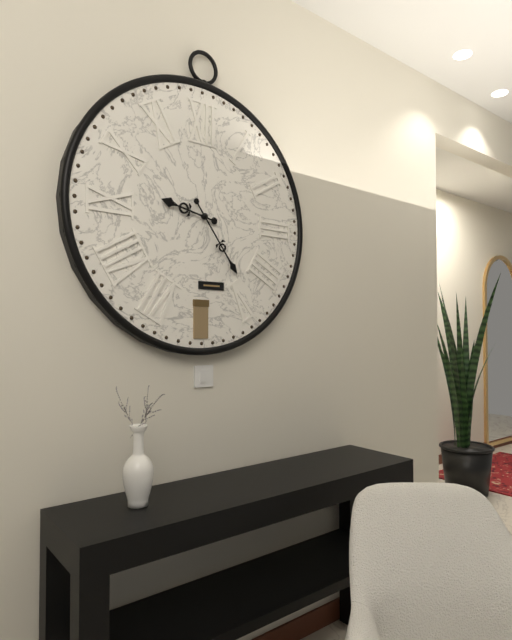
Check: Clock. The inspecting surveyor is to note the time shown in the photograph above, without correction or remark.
9:24
